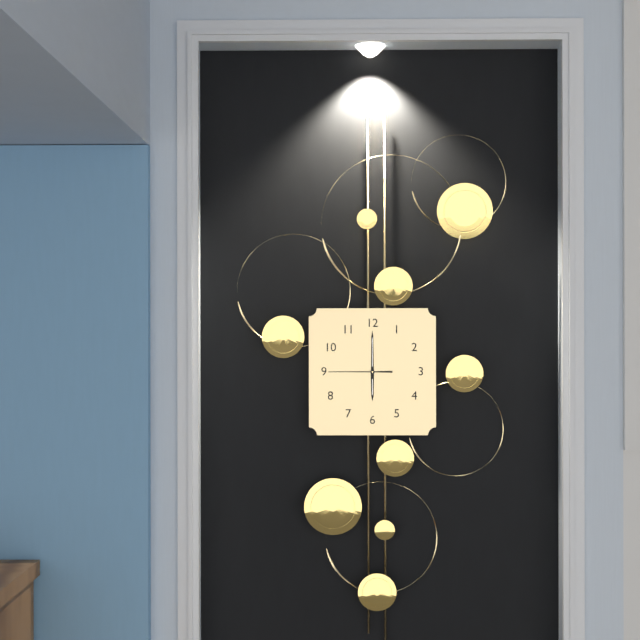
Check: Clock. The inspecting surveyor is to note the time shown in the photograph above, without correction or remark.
6:00:45
